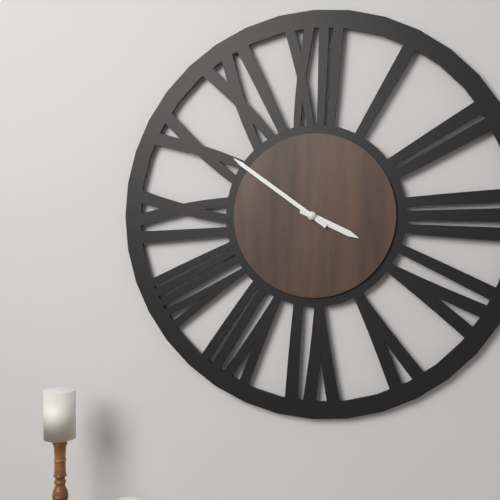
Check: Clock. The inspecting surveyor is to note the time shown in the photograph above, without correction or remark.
3:51
